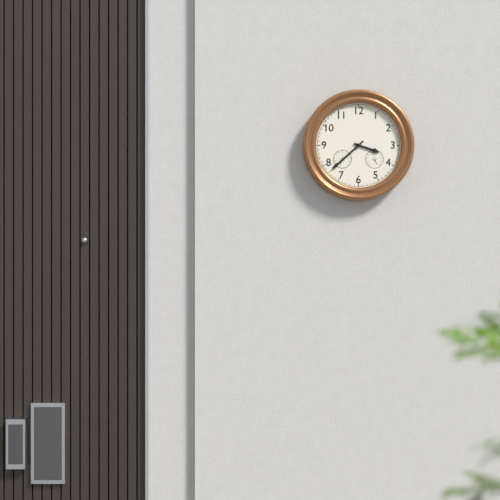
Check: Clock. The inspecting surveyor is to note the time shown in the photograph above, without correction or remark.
3:38
